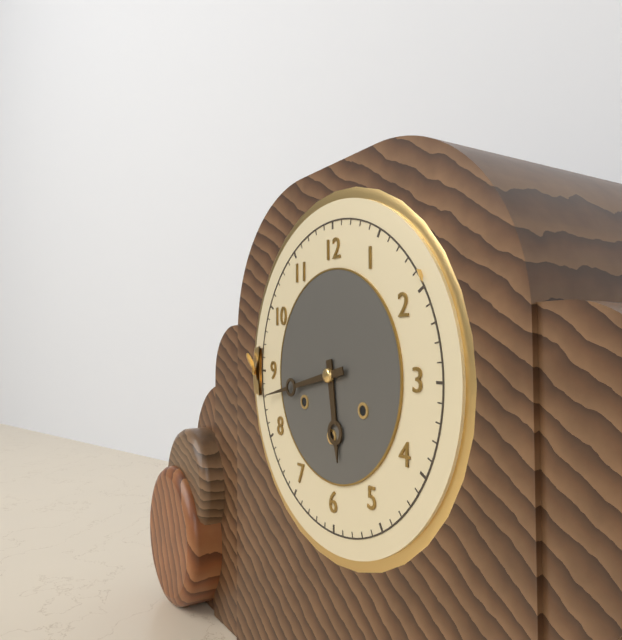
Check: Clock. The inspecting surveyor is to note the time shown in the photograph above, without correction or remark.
5:43
